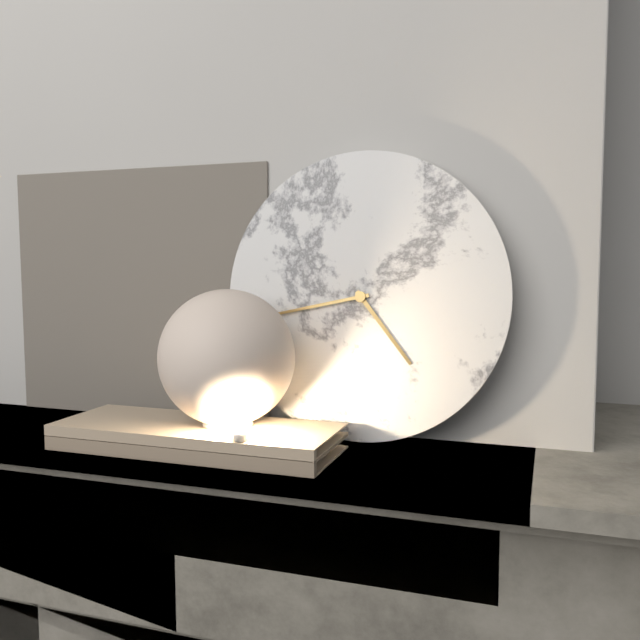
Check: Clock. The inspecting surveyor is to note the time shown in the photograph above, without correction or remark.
4:43
